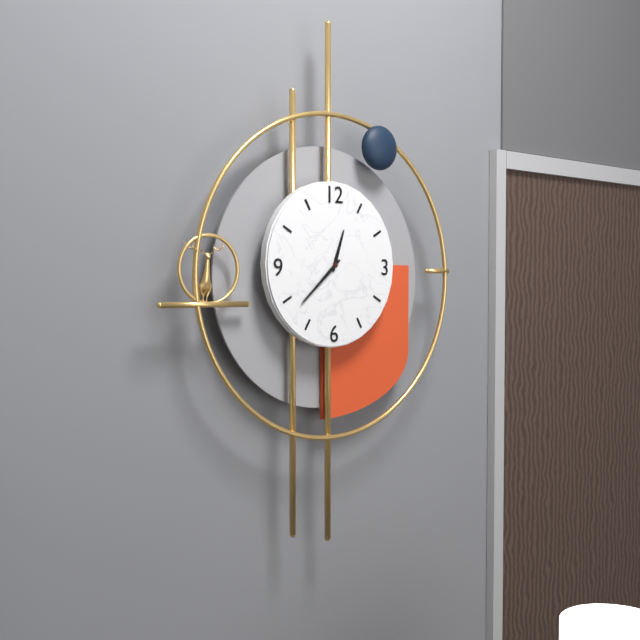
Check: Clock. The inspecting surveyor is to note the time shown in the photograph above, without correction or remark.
12:38
